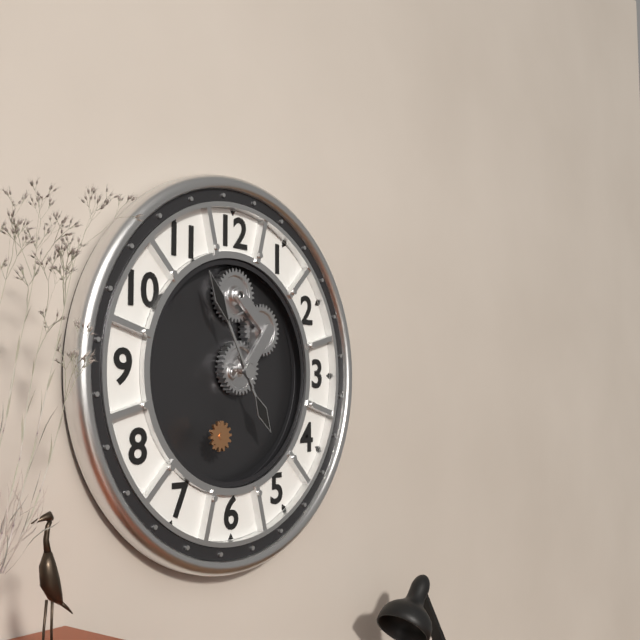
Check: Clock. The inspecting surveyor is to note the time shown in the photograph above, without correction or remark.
4:55
